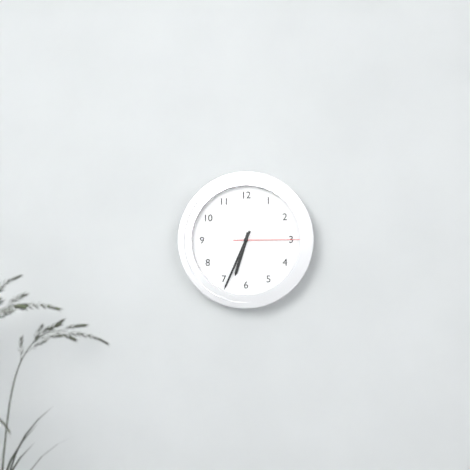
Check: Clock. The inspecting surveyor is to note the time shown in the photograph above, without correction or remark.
6:34:15
